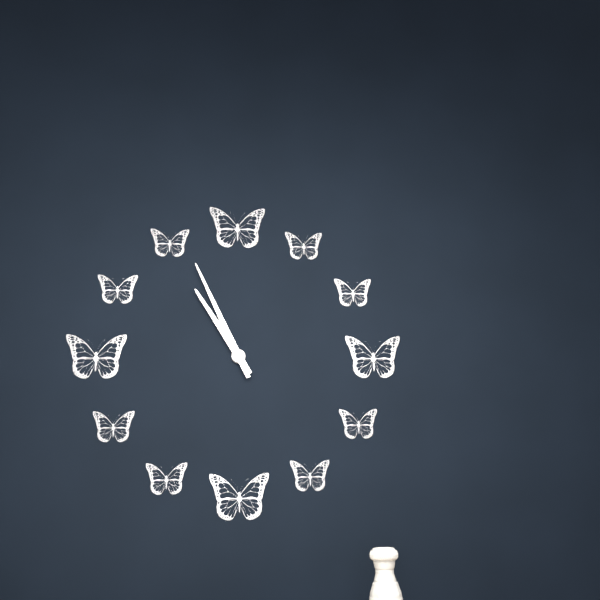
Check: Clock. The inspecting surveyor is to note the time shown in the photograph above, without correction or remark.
10:56
